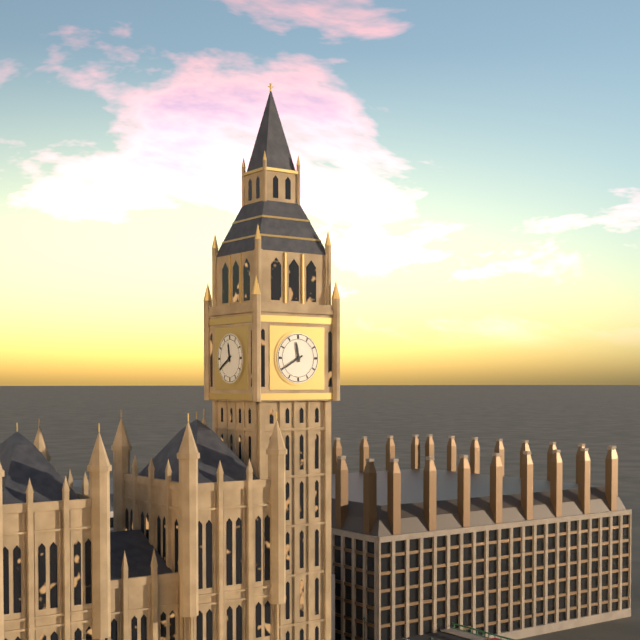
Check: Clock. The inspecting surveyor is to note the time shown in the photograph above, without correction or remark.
11:40
